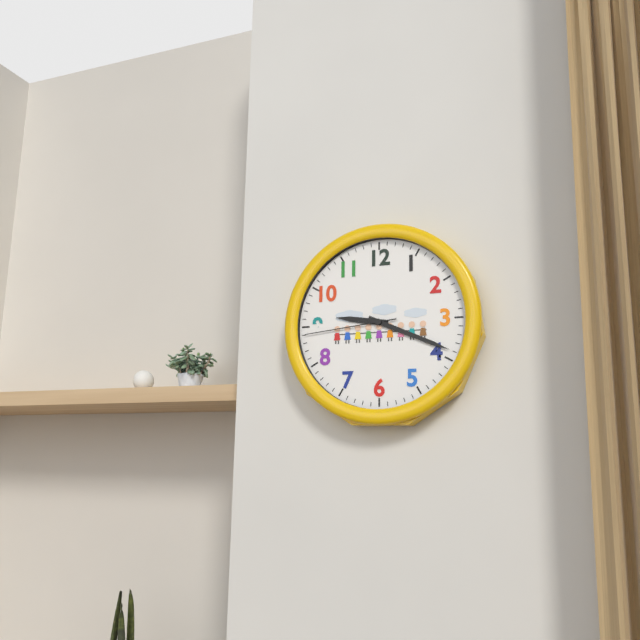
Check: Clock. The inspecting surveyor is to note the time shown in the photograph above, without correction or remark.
9:19:44
